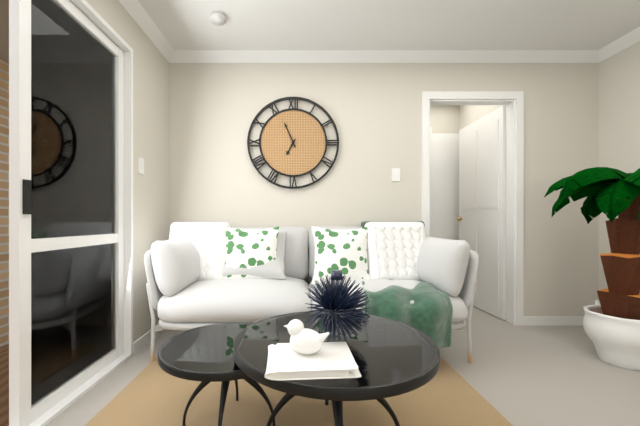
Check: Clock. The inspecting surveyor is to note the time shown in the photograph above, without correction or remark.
6:56
